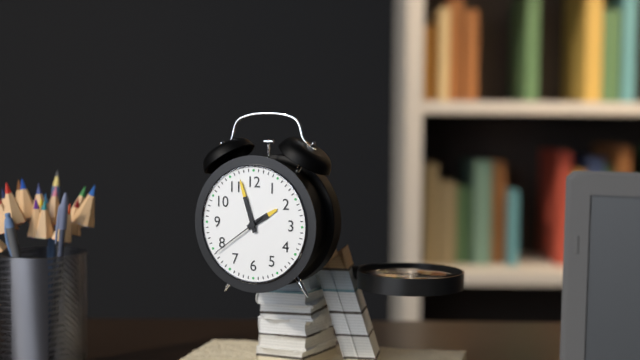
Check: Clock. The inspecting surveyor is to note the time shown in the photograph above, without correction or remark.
1:57:39
